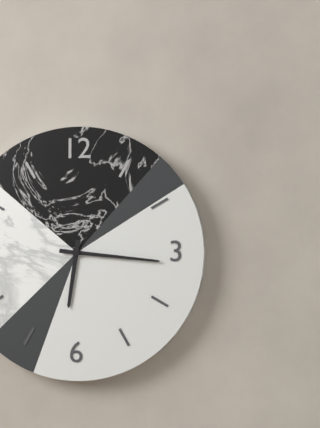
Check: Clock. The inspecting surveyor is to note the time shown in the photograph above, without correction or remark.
6:16
